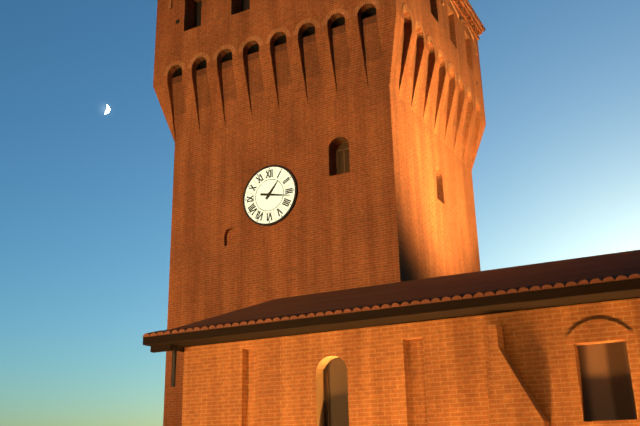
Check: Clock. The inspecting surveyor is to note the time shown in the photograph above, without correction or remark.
1:17
